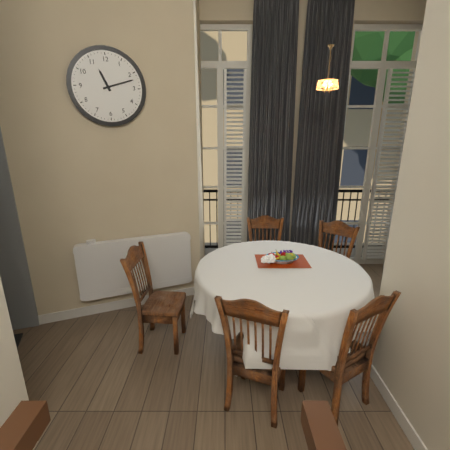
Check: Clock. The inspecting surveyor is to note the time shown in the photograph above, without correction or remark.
11:12
